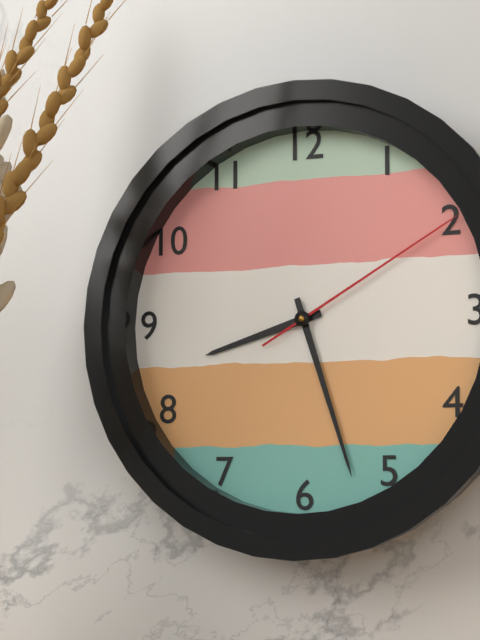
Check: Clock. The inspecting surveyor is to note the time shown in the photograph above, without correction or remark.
8:27:10
